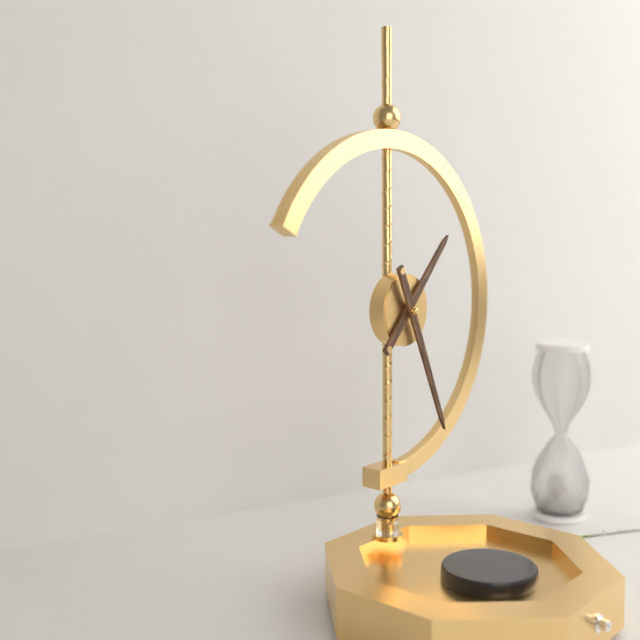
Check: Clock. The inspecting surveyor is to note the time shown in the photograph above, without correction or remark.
1:26
